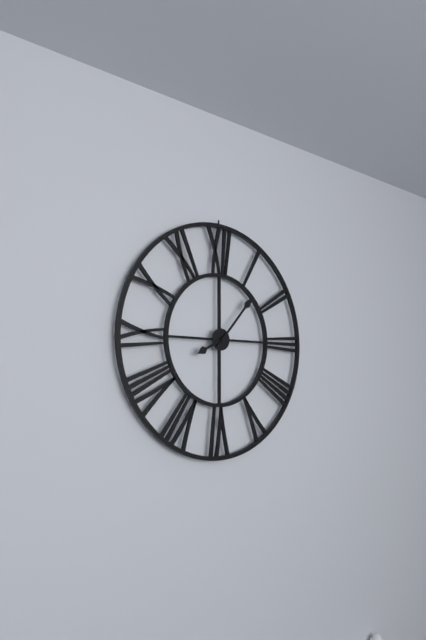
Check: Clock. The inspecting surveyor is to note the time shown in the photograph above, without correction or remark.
8:07
